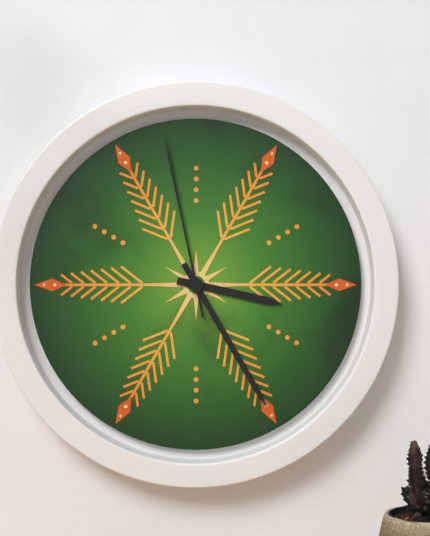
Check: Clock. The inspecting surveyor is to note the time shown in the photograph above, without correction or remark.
3:25:58
